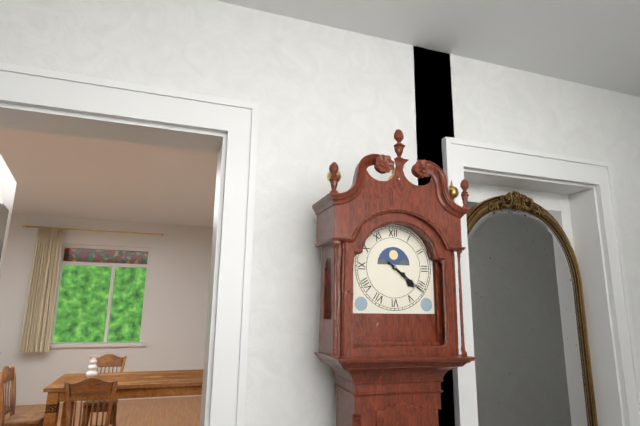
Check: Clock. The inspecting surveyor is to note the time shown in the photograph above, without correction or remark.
4:21
